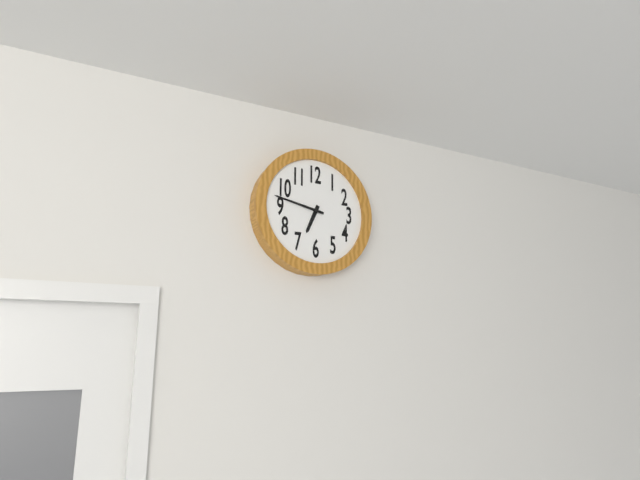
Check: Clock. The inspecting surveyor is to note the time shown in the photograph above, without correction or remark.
6:47
